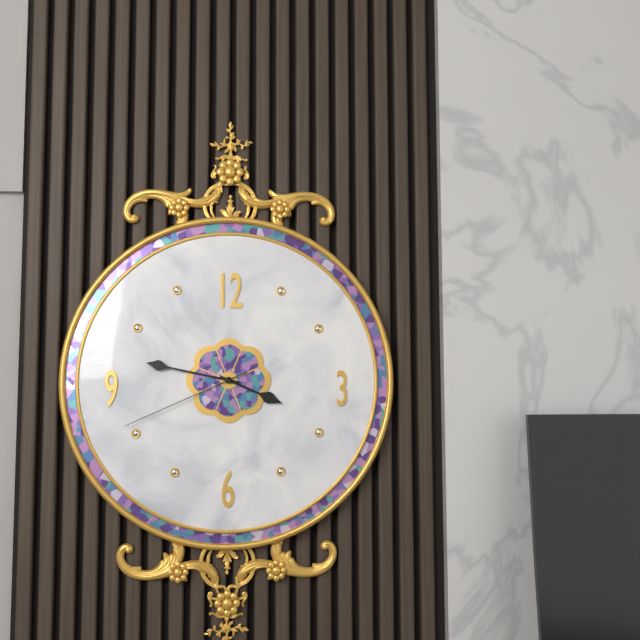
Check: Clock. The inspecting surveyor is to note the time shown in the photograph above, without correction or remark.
3:47:41
